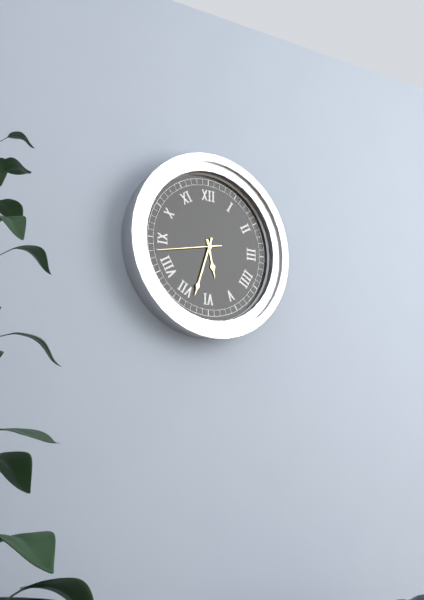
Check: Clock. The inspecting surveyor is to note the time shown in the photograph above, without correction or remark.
5:33:43
